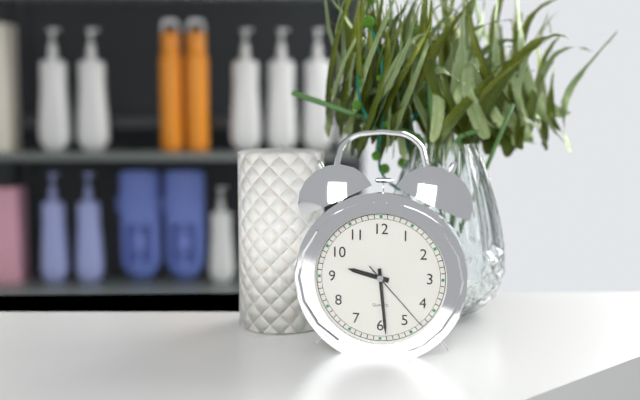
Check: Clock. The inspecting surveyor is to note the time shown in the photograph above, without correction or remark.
9:29:23
